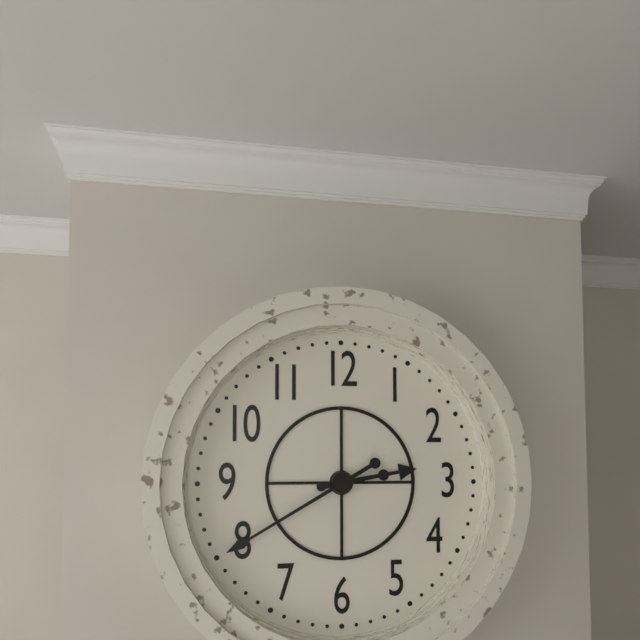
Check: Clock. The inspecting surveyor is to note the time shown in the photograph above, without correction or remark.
2:40
